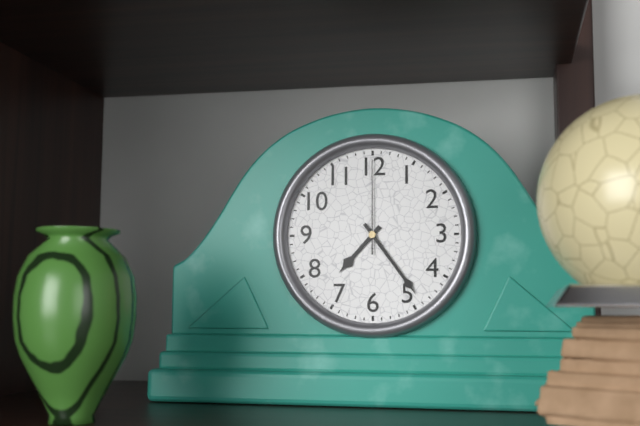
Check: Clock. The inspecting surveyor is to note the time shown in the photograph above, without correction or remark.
7:24:00
